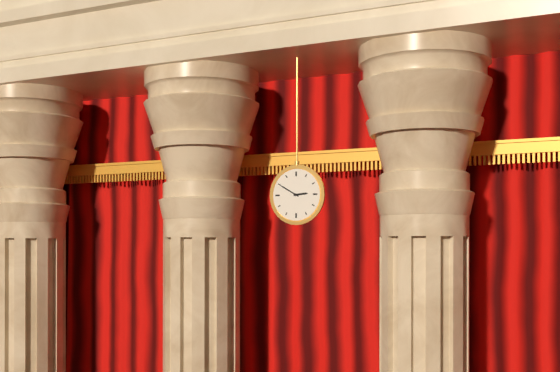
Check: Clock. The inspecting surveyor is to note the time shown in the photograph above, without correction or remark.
2:50
